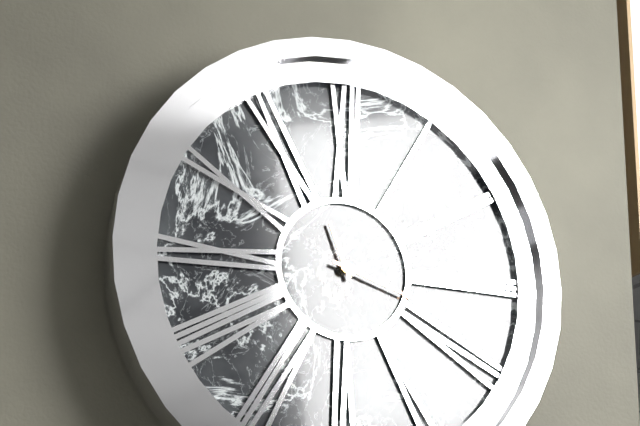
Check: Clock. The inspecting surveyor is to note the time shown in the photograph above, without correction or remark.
11:18
